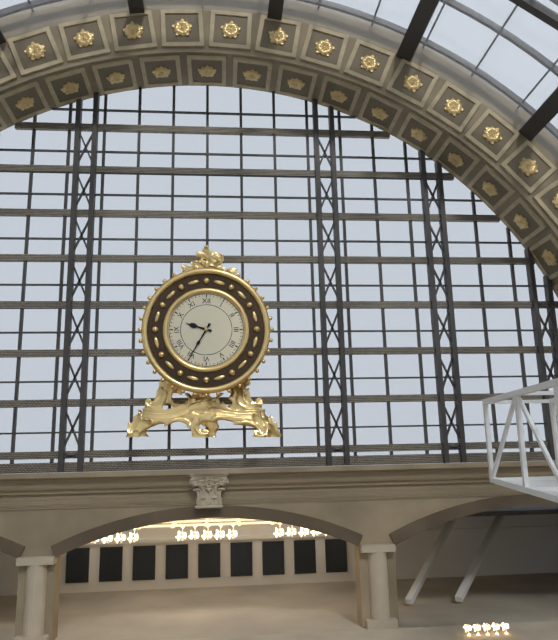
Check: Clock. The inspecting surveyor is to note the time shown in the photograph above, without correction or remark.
9:35
